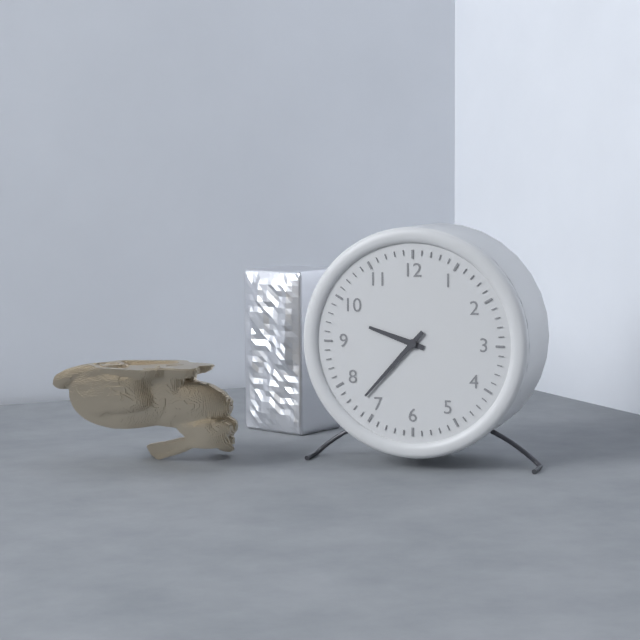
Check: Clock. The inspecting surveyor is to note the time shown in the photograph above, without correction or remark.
9:37
